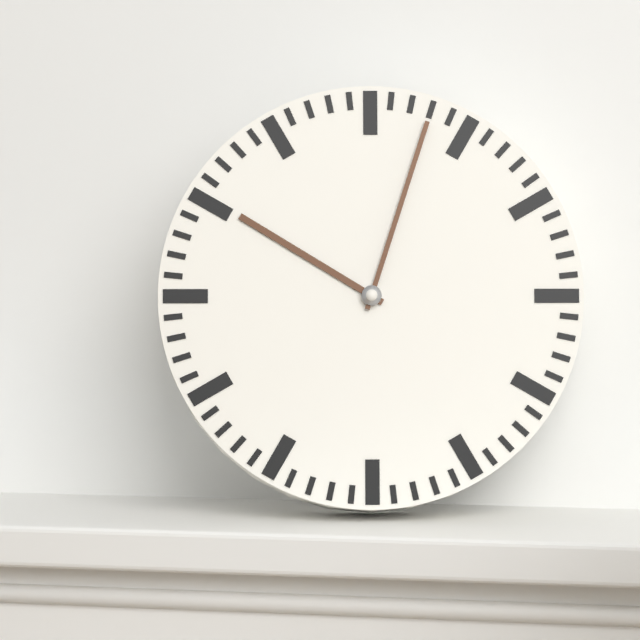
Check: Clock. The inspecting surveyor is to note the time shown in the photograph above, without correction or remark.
10:03
